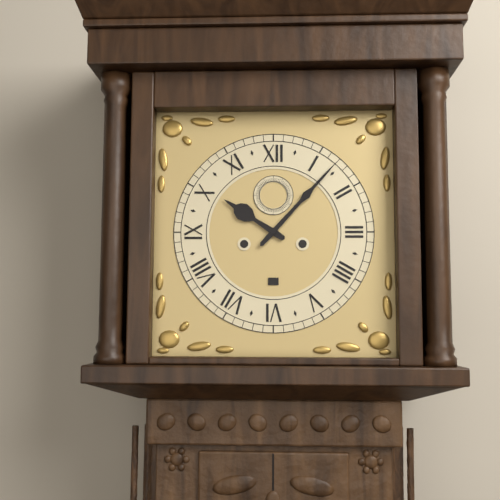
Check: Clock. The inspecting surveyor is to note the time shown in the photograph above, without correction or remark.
10:07
